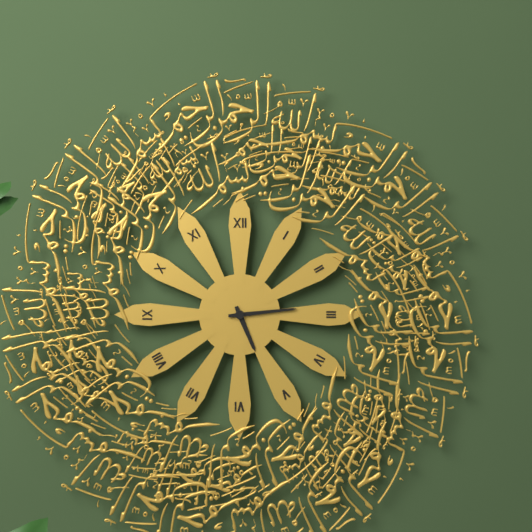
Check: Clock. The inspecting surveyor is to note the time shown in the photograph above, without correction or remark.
5:14
